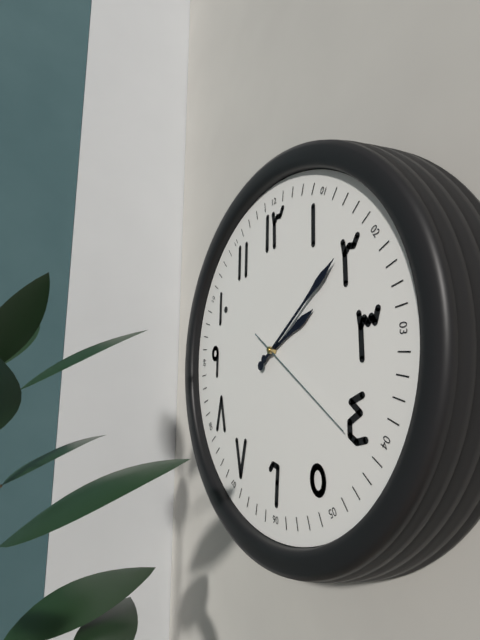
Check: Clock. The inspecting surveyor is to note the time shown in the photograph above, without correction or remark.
2:09:21
